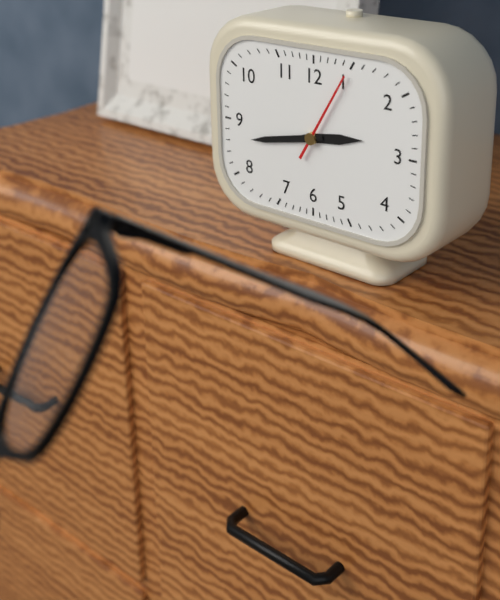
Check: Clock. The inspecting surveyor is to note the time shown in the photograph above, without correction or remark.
2:43:05
